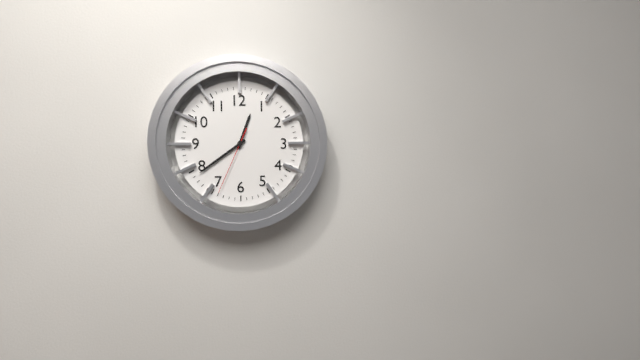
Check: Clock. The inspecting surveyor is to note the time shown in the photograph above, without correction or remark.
12:39:34
